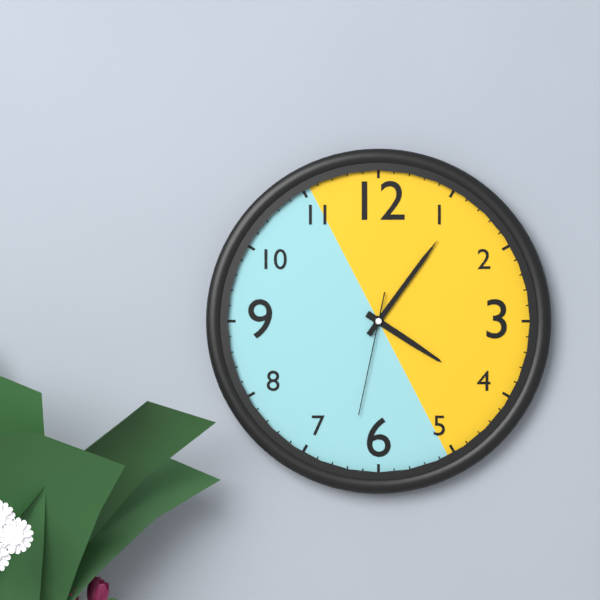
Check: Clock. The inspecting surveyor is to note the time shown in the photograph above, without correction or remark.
4:06:32
